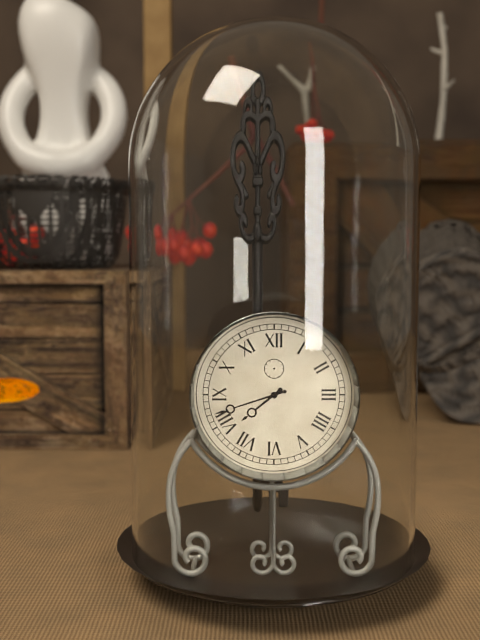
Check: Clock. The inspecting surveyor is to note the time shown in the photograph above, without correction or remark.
7:42
